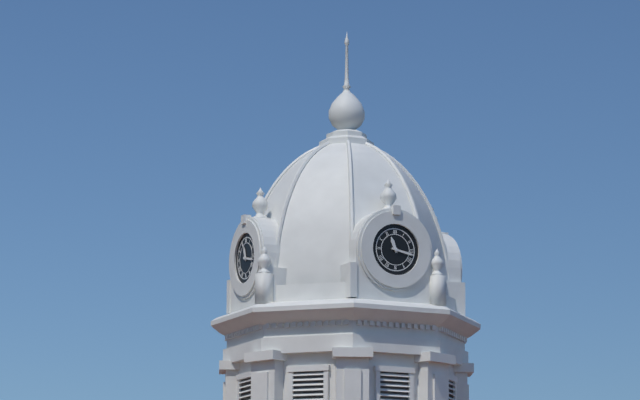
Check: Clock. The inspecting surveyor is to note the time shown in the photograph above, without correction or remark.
11:17
